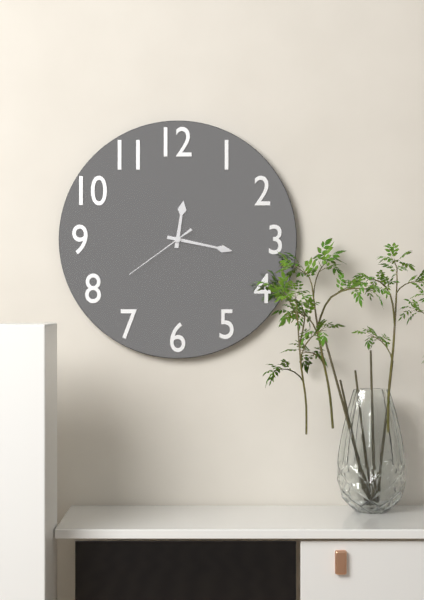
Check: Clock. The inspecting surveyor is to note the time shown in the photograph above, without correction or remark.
12:17:39
